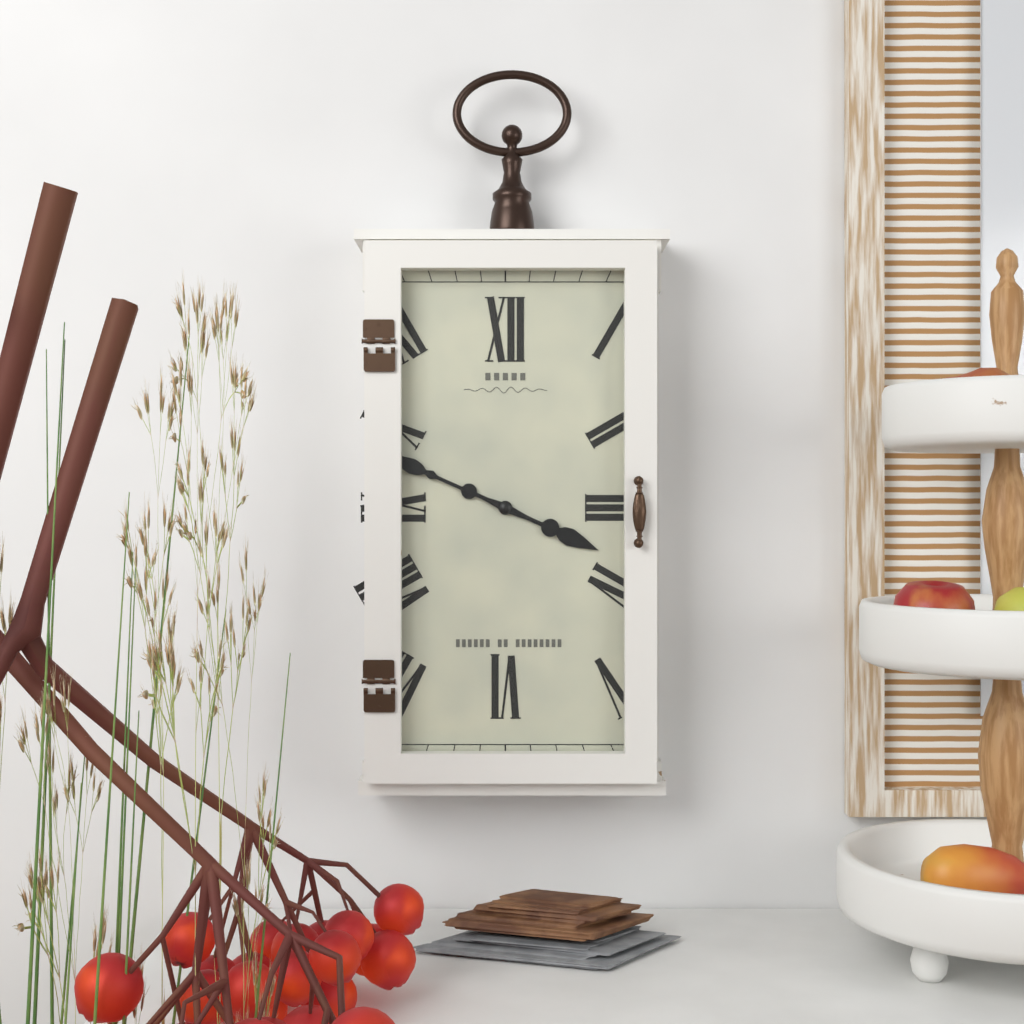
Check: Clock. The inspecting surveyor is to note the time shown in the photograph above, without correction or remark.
3:49
